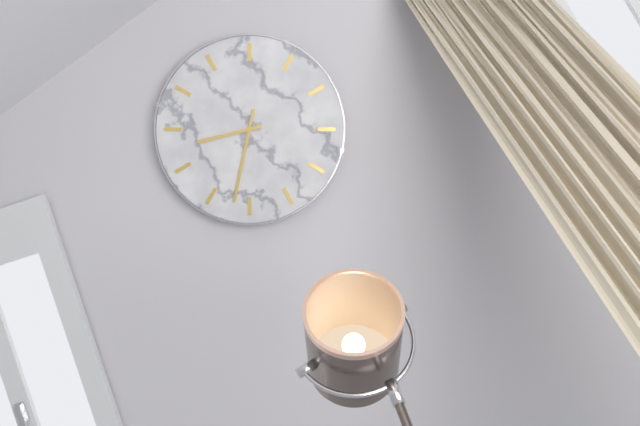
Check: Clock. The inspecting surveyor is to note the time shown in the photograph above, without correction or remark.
8:32
